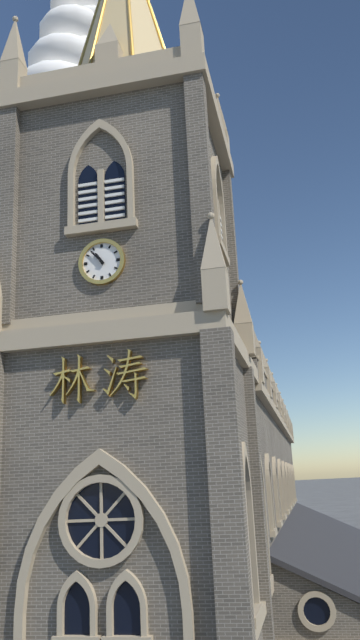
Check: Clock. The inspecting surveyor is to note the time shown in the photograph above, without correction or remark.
10:53
